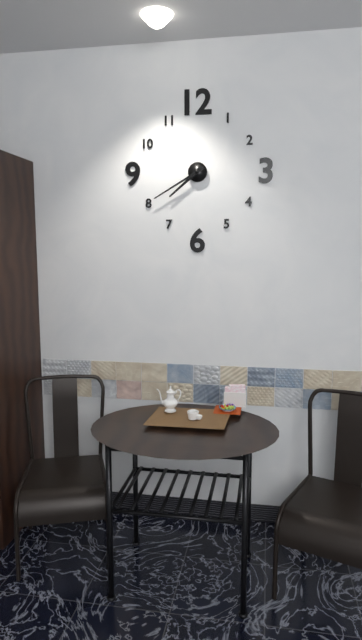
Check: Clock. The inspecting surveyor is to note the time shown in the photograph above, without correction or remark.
7:40
